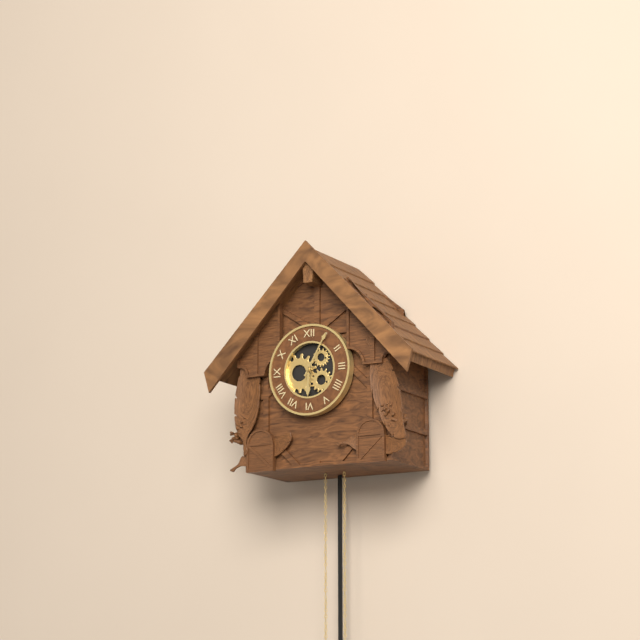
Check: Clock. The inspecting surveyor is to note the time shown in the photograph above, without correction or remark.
6:05
